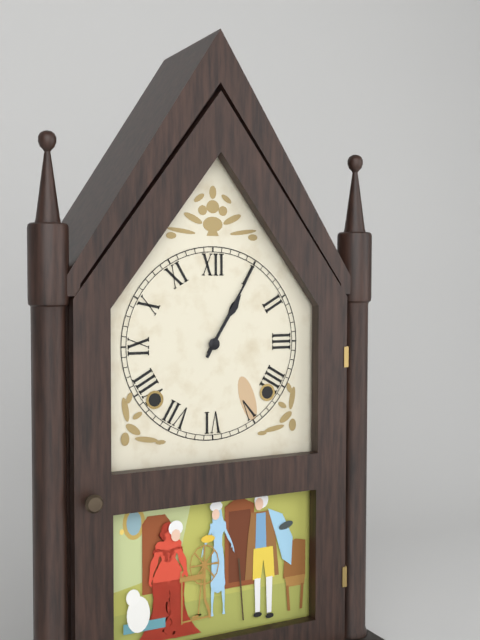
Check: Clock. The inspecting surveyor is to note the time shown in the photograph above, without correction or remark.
1:05
